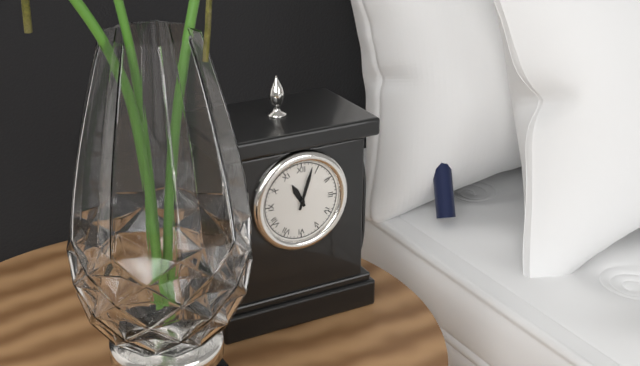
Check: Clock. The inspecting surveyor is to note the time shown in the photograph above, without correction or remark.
11:03
